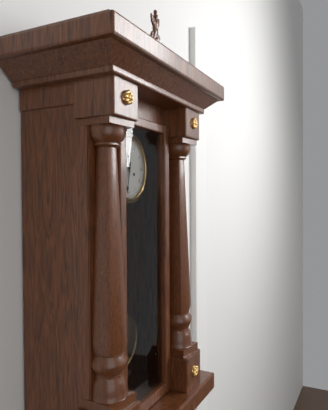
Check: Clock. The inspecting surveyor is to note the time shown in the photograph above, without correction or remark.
11:32
